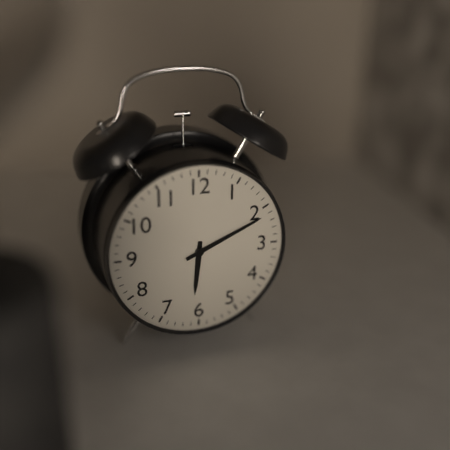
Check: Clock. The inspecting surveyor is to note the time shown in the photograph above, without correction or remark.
6:11
